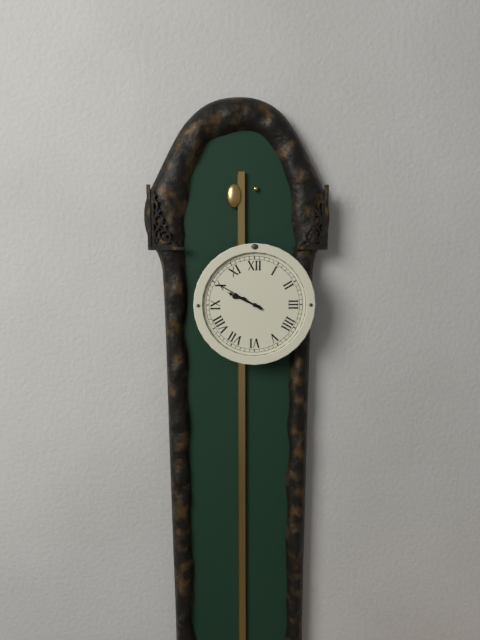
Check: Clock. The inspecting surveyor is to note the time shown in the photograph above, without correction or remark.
9:50
